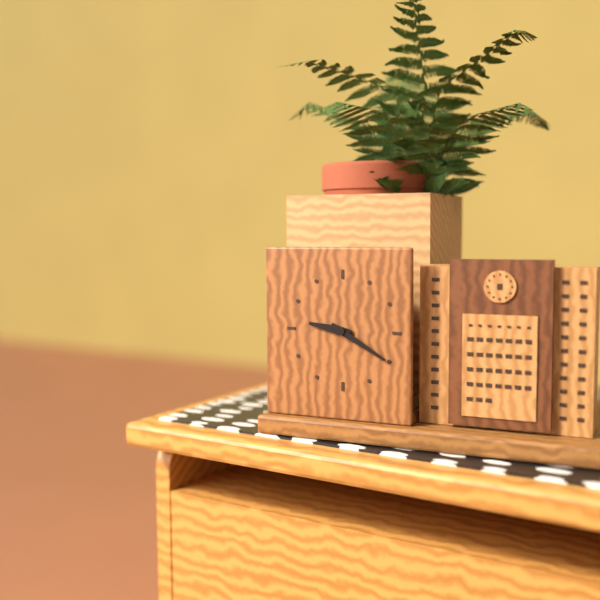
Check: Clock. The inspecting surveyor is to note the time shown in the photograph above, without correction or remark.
9:20
